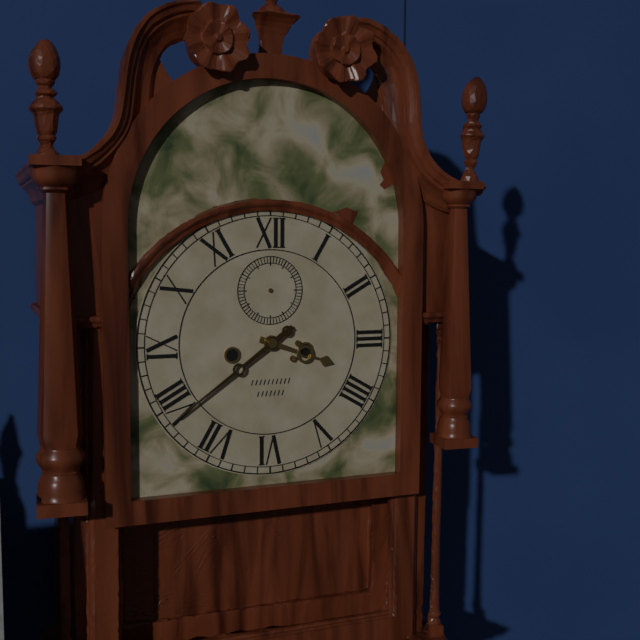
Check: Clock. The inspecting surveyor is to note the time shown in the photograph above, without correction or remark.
3:39
